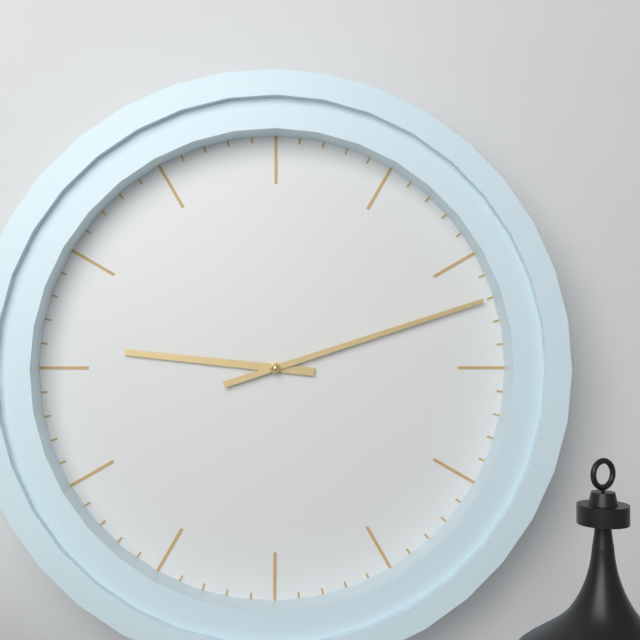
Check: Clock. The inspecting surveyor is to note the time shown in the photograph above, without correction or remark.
9:12
